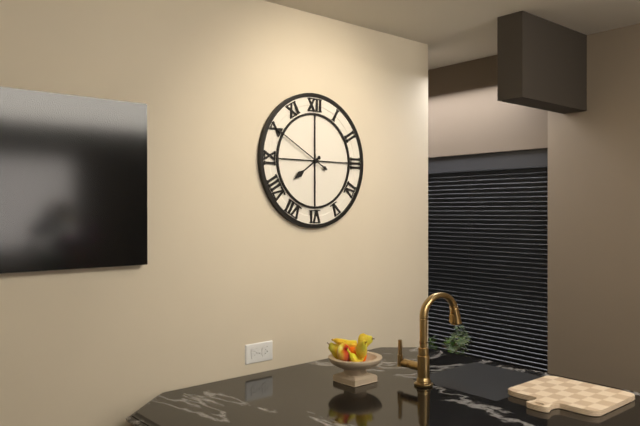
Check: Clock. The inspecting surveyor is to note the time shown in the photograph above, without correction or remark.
7:50
